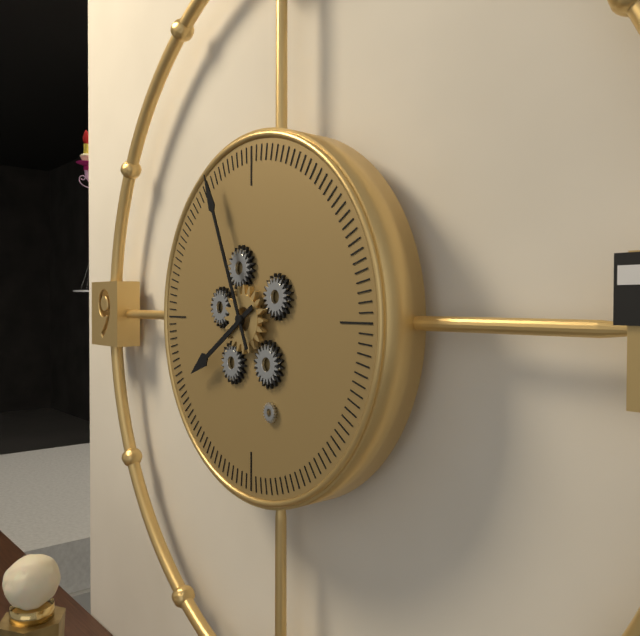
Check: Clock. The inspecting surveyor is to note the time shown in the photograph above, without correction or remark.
7:56
